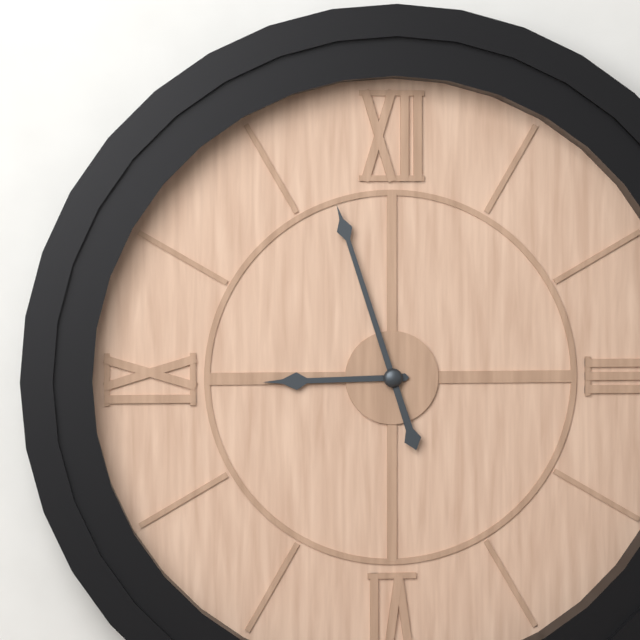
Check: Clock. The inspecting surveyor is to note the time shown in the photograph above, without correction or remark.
8:57
